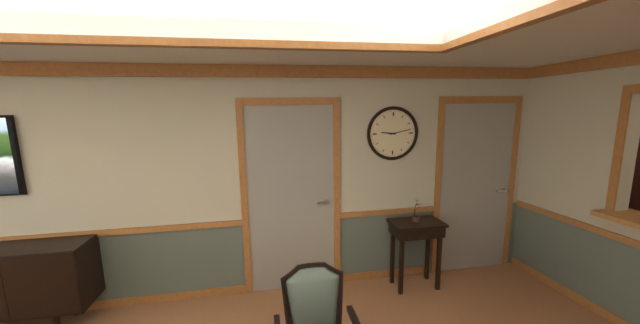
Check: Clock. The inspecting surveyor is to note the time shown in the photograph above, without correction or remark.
9:13
